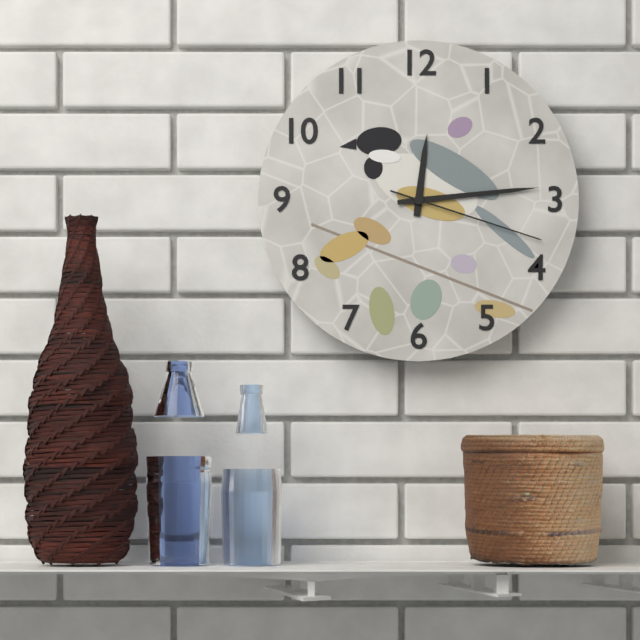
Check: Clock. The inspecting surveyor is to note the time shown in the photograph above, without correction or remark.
12:14:18
